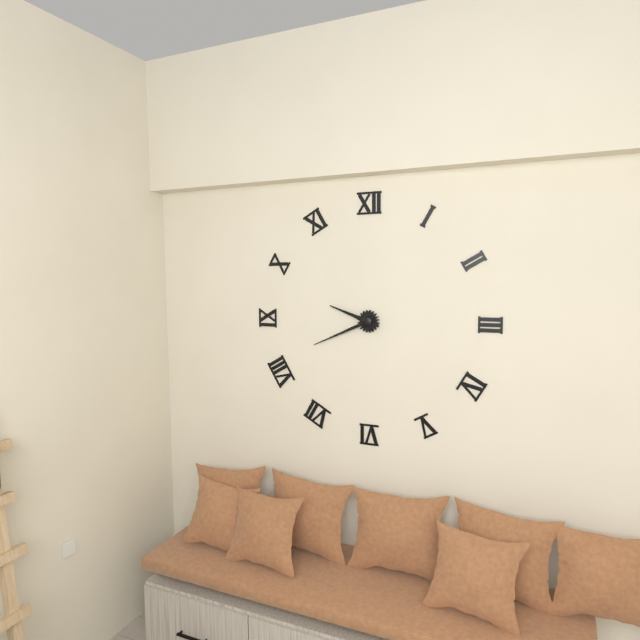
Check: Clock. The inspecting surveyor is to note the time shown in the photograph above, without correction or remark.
9:41
